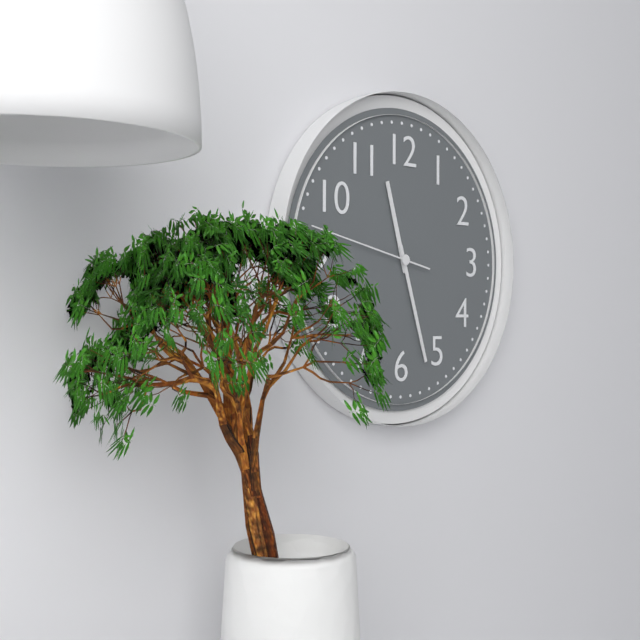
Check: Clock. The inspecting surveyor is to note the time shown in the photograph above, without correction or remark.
11:27:47
